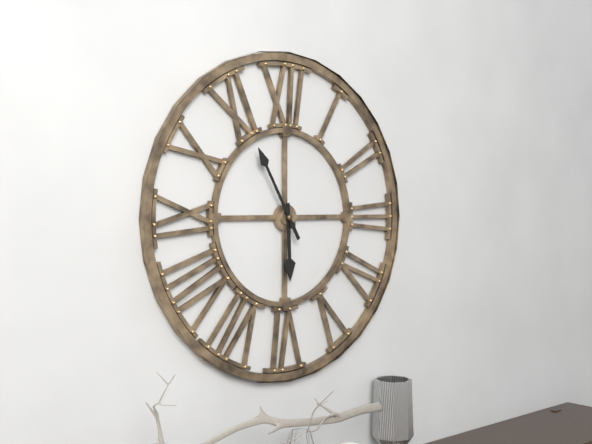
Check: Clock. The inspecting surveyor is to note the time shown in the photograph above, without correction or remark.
5:55
